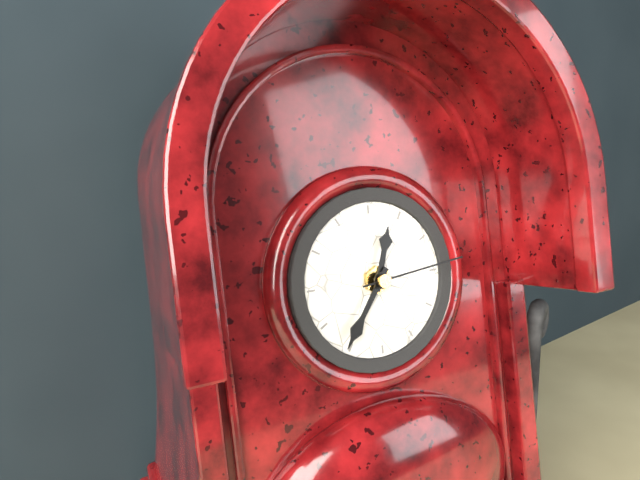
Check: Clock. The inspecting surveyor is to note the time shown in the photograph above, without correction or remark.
12:36:14
